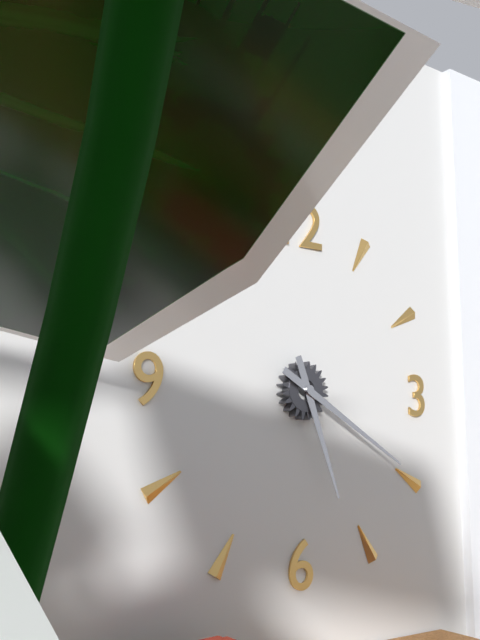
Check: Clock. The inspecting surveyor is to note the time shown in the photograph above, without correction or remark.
5:20
